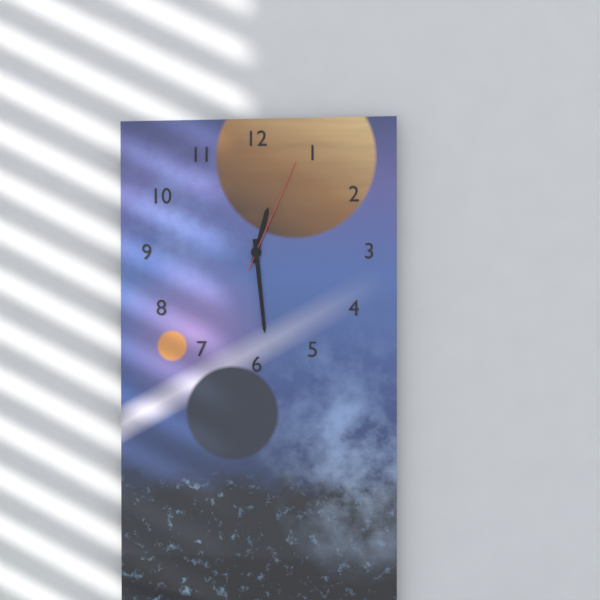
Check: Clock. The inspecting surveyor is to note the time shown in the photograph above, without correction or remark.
12:29:04
